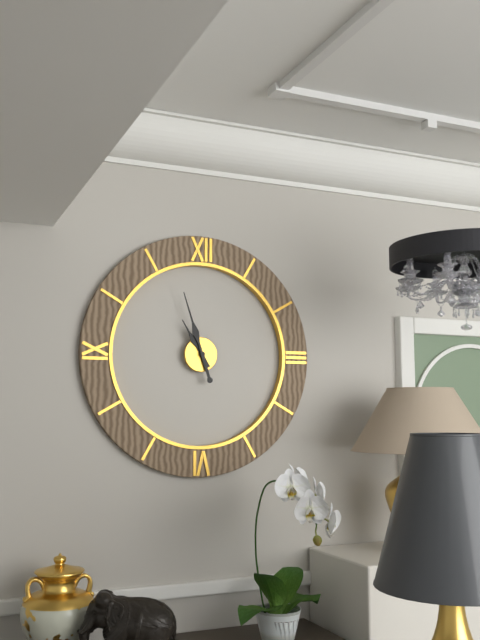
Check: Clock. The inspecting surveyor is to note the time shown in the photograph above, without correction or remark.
10:57
